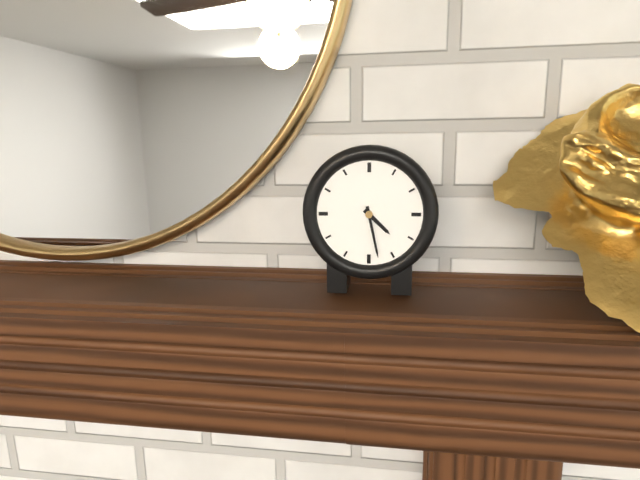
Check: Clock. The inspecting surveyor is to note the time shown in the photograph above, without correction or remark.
4:28
